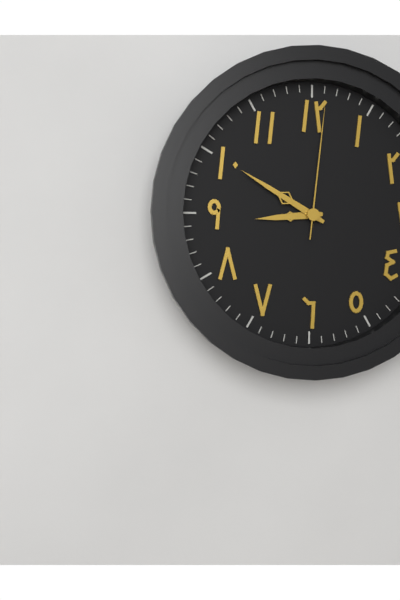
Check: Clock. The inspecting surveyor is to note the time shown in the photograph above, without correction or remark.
8:50:01
